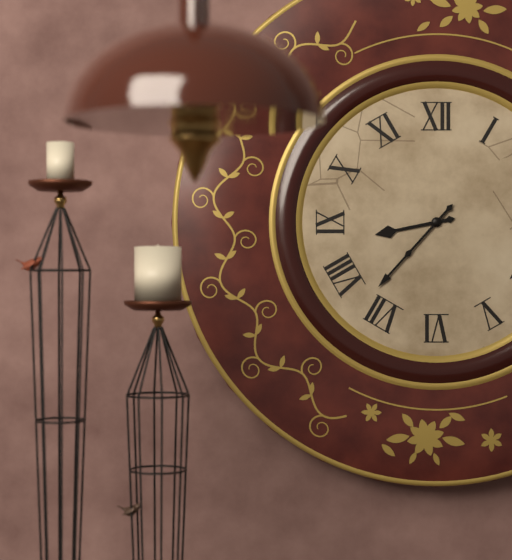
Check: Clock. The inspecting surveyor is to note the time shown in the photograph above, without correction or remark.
8:37
